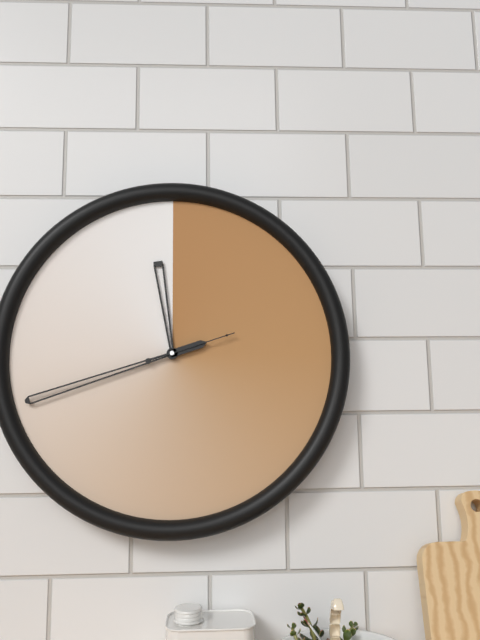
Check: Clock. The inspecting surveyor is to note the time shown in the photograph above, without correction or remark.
11:42:12
